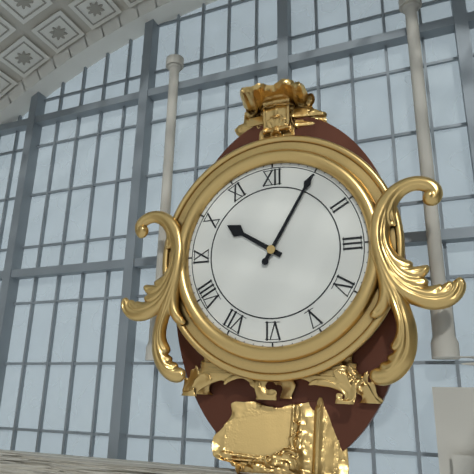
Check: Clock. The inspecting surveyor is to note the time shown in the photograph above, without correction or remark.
10:05
